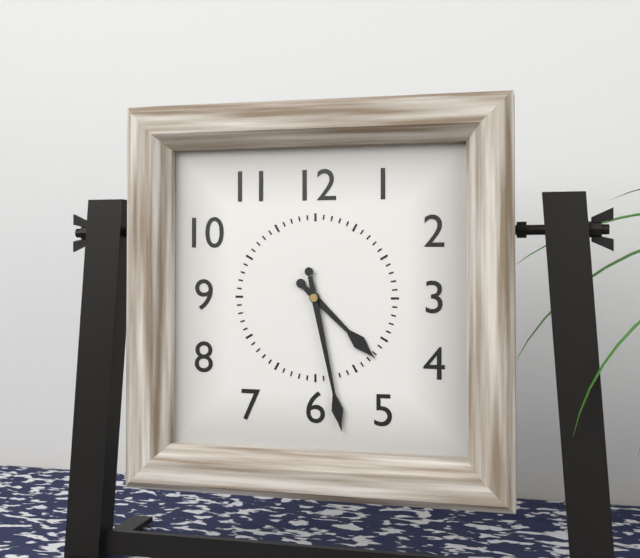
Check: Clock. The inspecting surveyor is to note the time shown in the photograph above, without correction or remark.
4:28
